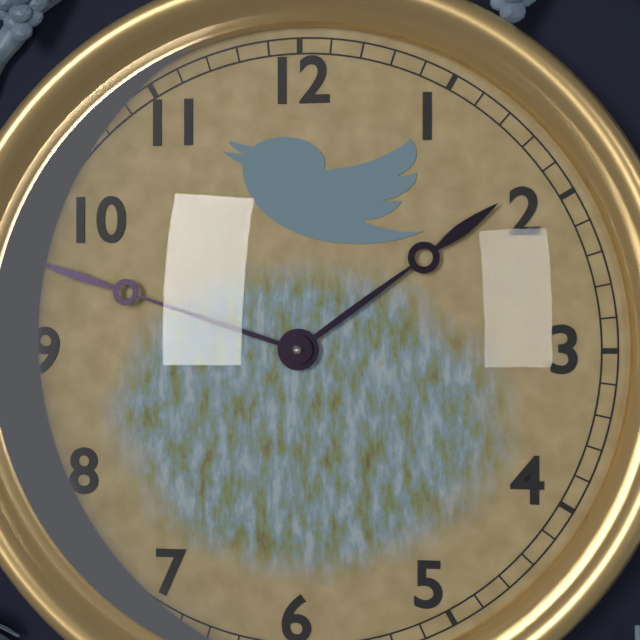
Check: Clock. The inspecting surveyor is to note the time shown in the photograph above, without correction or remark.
1:48
